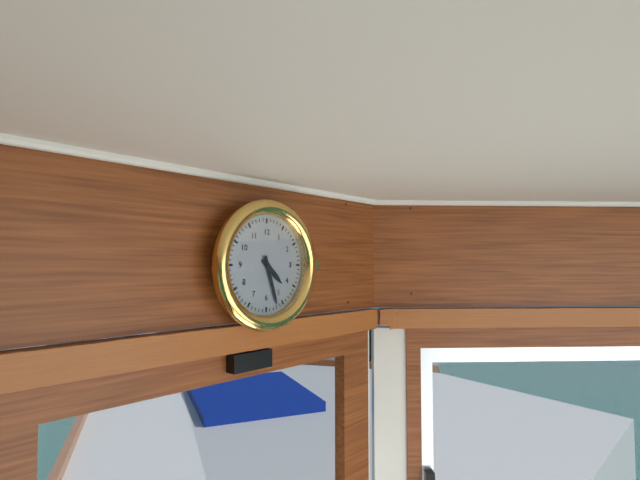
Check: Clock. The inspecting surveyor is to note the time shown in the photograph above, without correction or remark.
4:27
